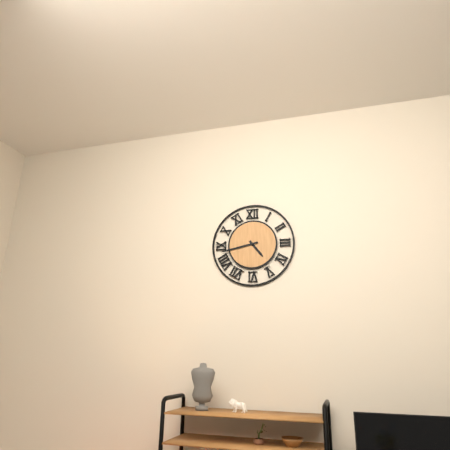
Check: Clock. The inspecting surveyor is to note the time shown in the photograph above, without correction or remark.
4:43
